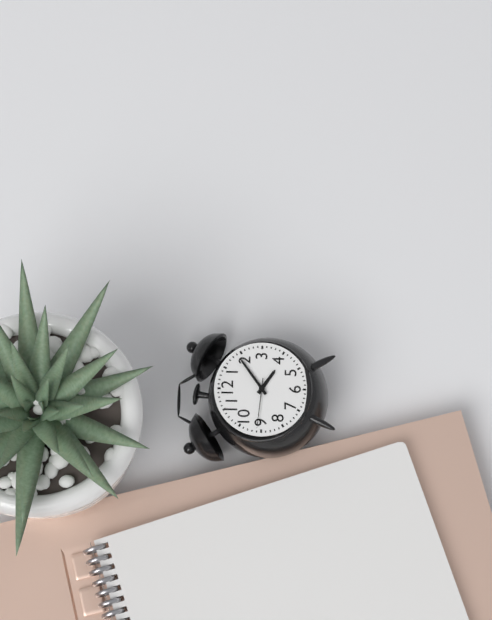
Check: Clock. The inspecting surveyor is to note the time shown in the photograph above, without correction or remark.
4:09:46
